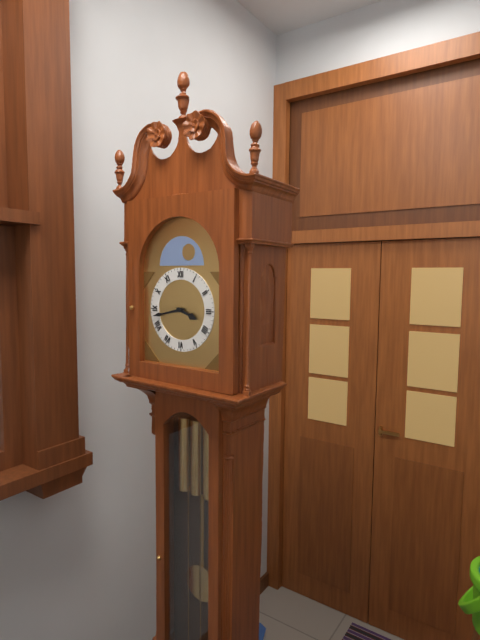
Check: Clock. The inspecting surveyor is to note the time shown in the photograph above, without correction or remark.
3:43
